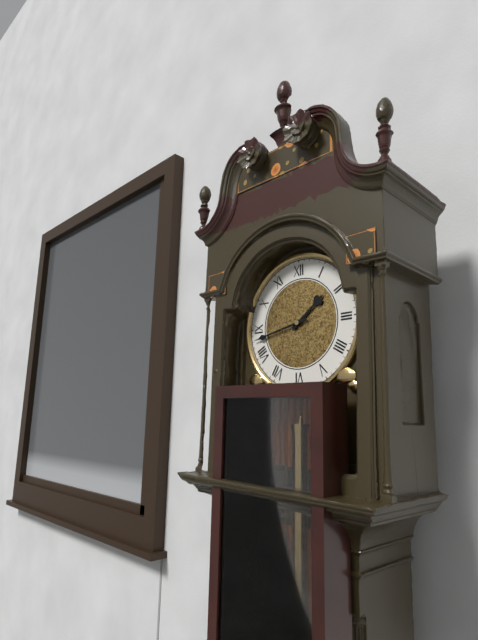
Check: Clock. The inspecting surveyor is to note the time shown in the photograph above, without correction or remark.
1:43
